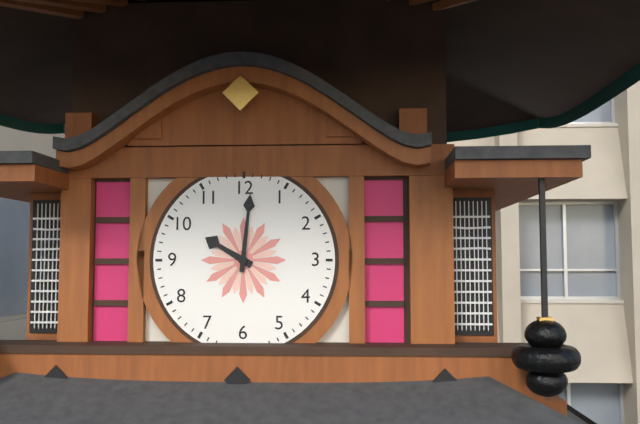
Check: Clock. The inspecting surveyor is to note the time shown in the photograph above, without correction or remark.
10:01
